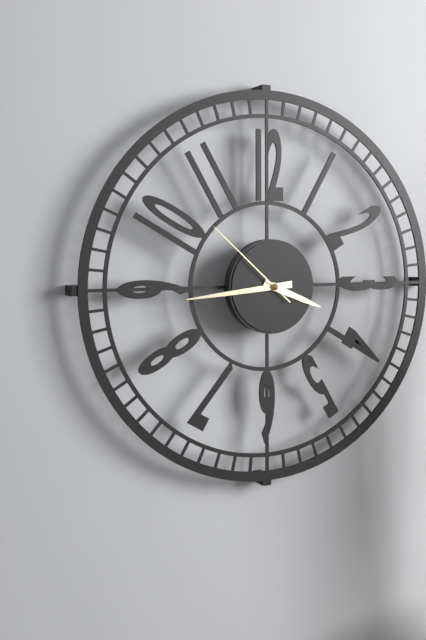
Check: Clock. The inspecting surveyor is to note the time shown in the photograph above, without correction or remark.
3:44:52
